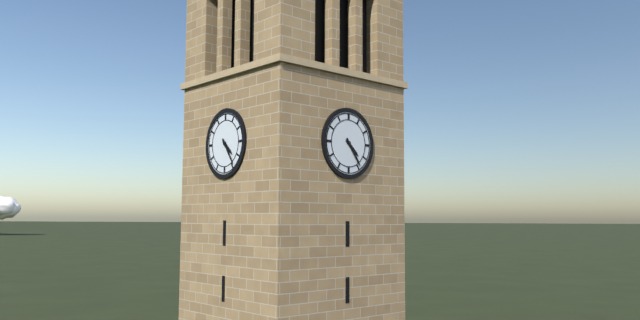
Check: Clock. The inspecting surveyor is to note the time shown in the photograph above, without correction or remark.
4:24
